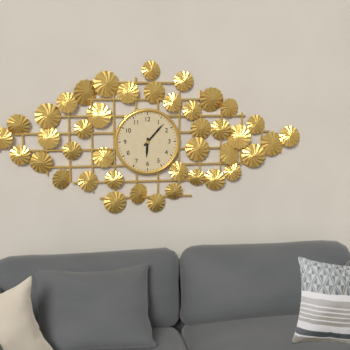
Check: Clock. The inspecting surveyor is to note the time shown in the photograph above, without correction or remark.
6:07
